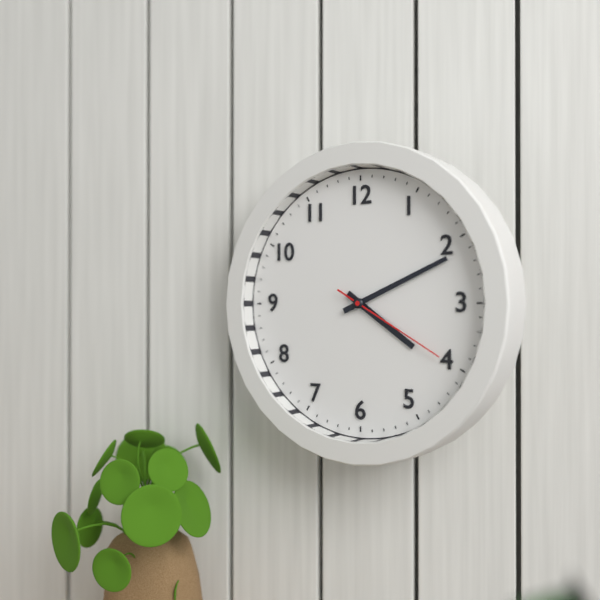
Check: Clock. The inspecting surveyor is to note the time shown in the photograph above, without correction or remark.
4:11:20
